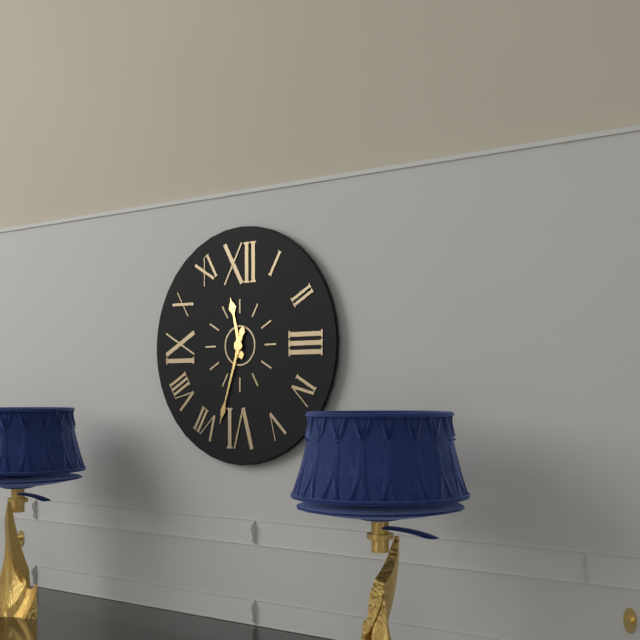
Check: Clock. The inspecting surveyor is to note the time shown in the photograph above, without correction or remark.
11:33
